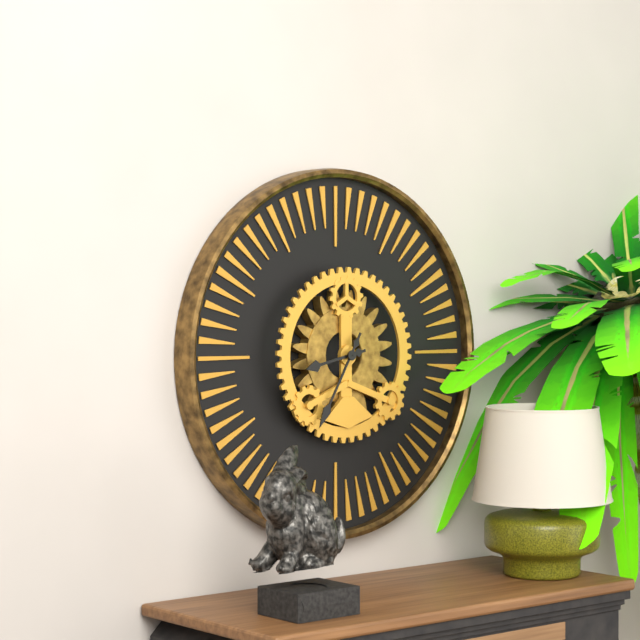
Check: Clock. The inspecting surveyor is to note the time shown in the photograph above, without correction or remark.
8:35
